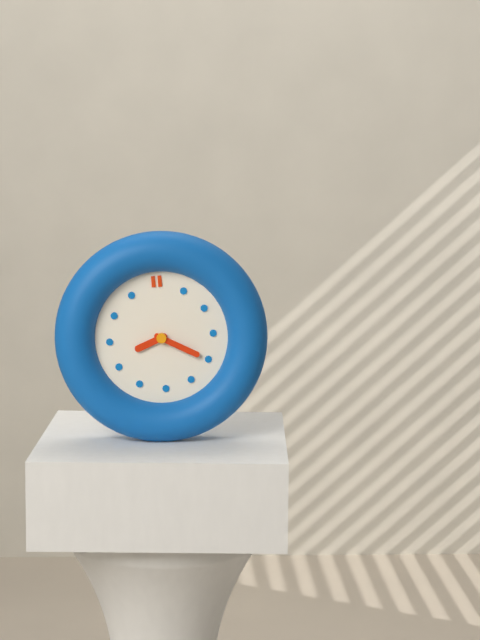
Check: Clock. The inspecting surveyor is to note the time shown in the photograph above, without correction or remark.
8:20
